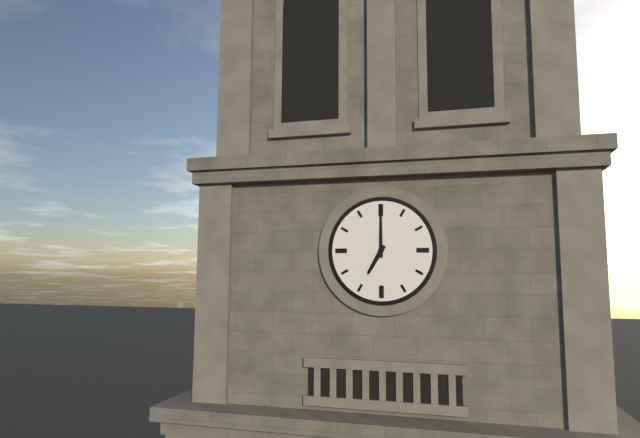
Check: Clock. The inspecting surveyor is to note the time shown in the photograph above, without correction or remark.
7:00
